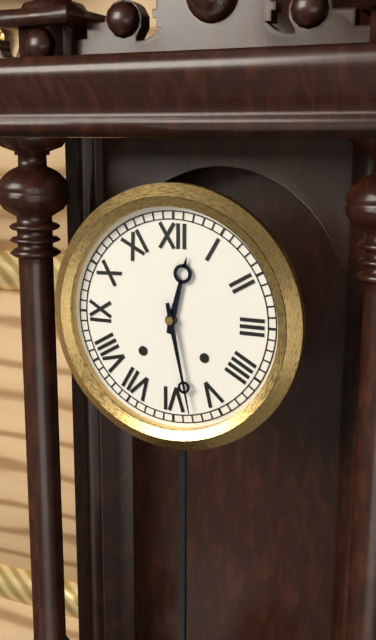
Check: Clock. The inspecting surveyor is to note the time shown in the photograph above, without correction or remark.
12:28
